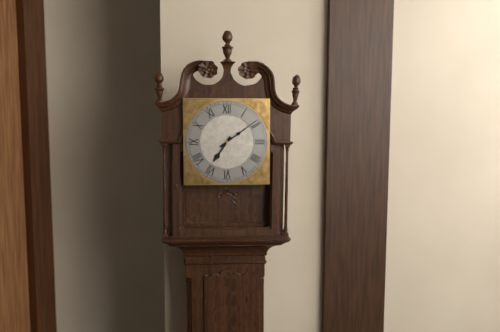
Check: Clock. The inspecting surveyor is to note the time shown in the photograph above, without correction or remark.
7:09
